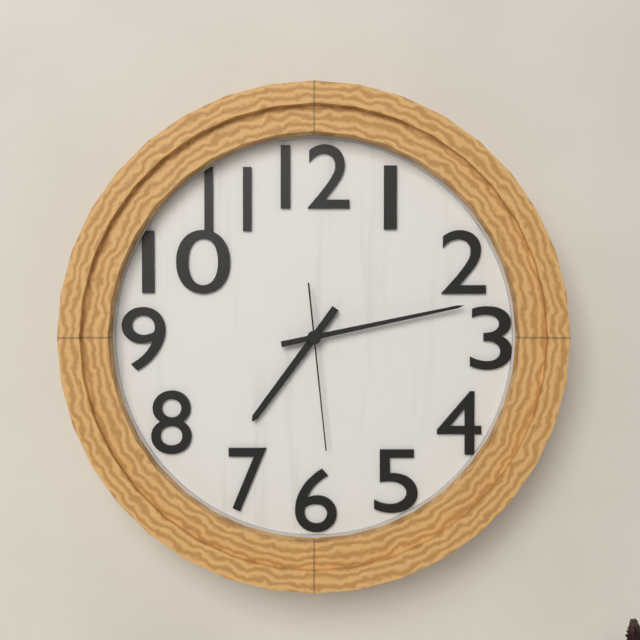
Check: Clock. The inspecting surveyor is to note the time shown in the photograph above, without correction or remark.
7:13:29
